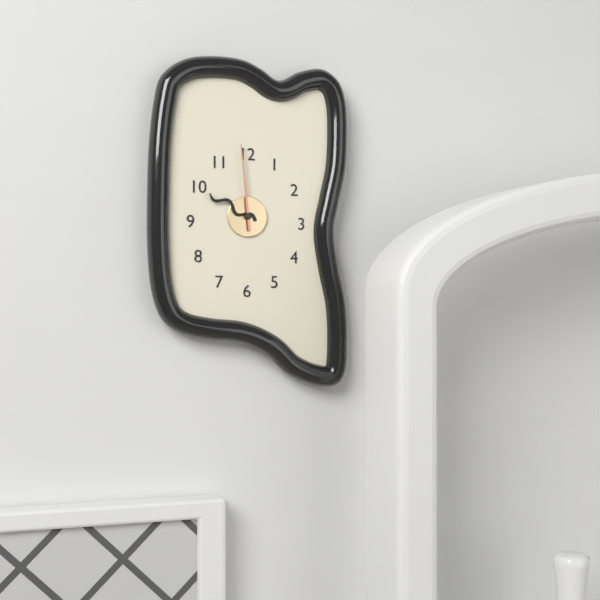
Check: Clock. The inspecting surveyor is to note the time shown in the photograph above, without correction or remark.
9:59
